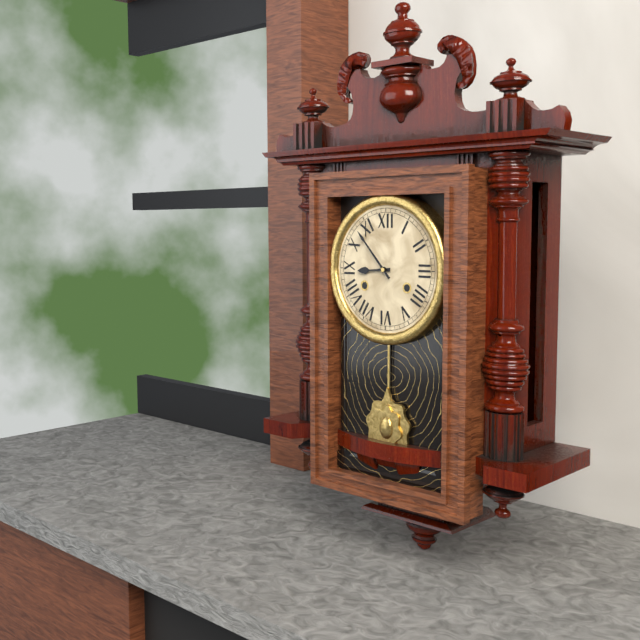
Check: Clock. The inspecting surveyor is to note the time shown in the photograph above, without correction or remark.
8:53
